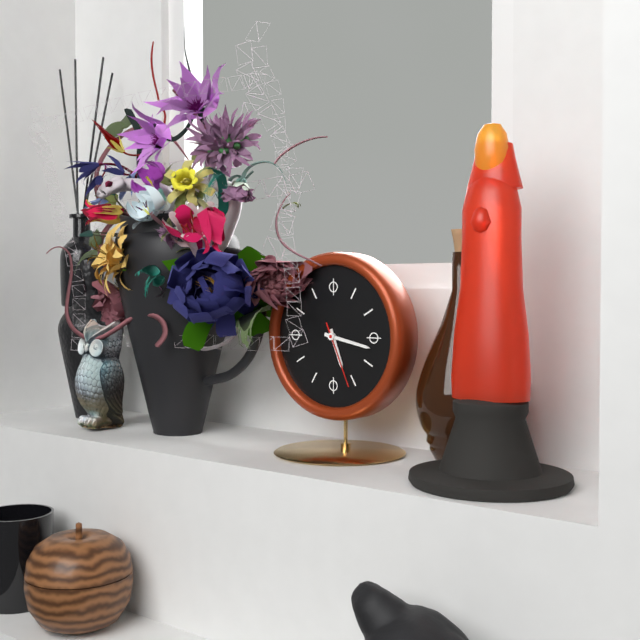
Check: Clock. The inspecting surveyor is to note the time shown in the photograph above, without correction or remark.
5:17:26
